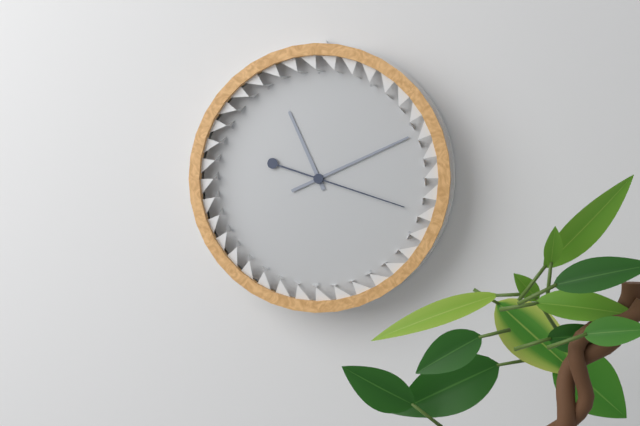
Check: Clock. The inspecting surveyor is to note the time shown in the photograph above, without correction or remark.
11:11:18
